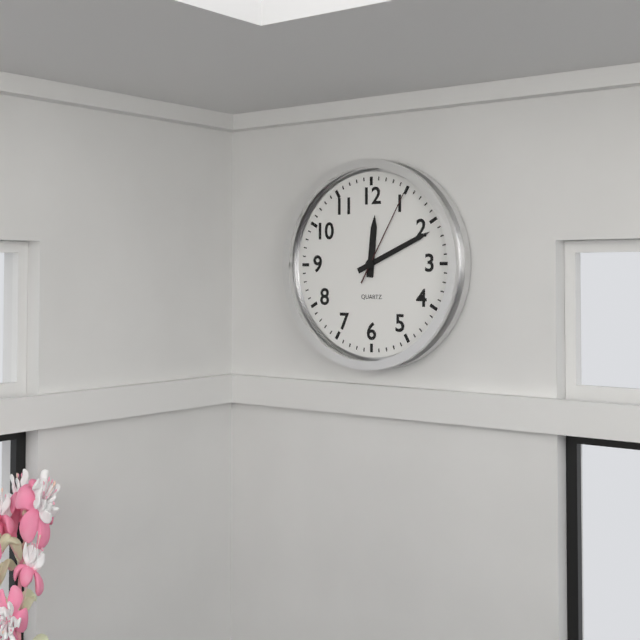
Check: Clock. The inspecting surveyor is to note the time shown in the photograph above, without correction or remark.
12:11:05
